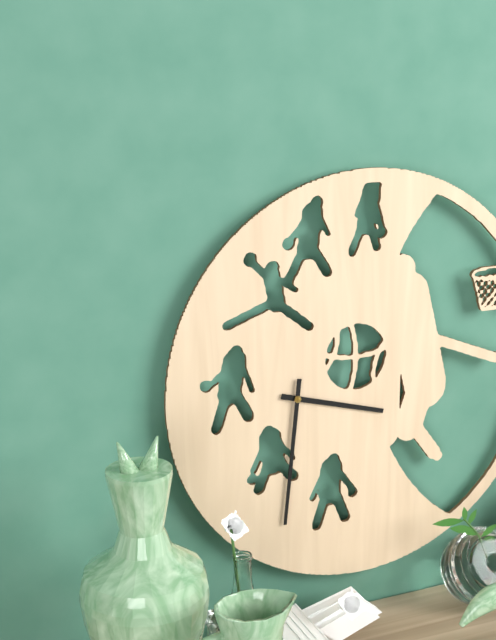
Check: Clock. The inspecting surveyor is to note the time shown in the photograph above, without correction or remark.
3:31
